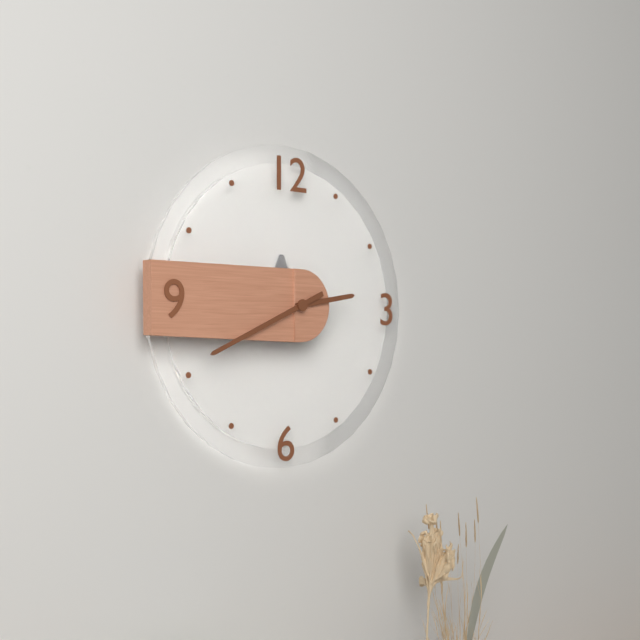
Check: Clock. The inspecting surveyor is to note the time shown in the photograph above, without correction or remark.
2:41
